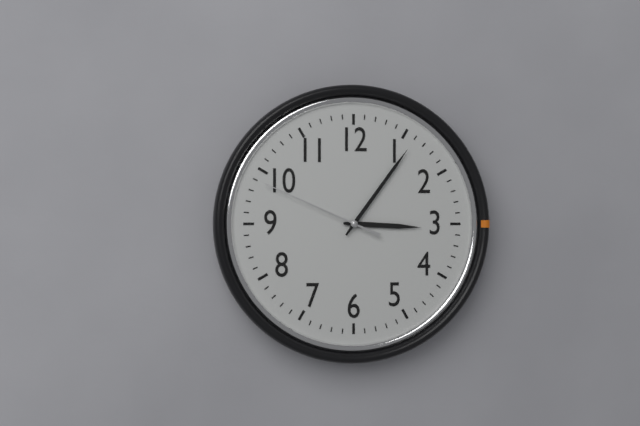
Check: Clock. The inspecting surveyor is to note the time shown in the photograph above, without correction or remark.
3:06:49
